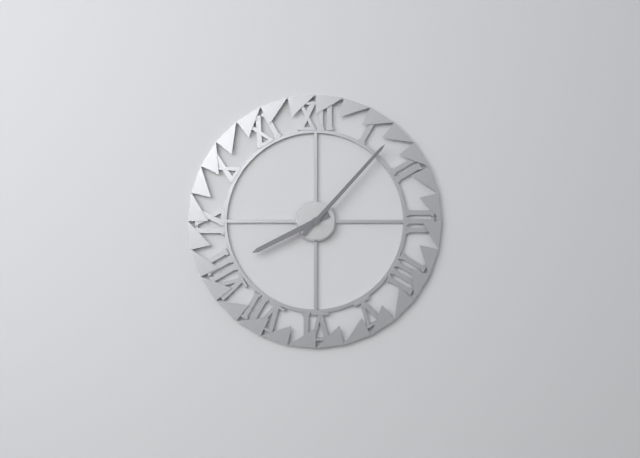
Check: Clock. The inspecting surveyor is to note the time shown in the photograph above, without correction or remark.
8:07
